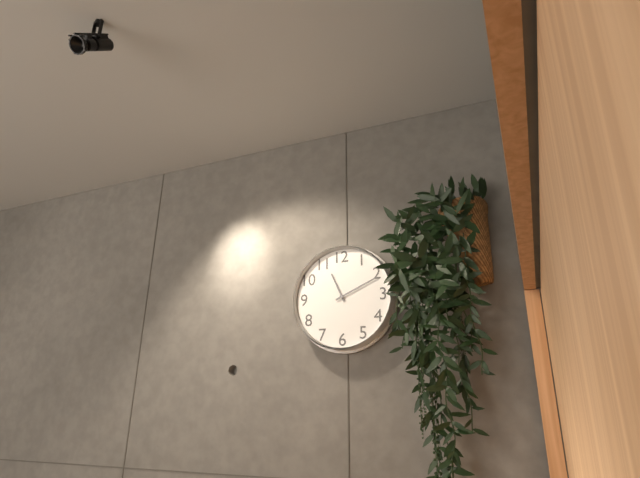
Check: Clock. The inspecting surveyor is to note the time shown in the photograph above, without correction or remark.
11:11
